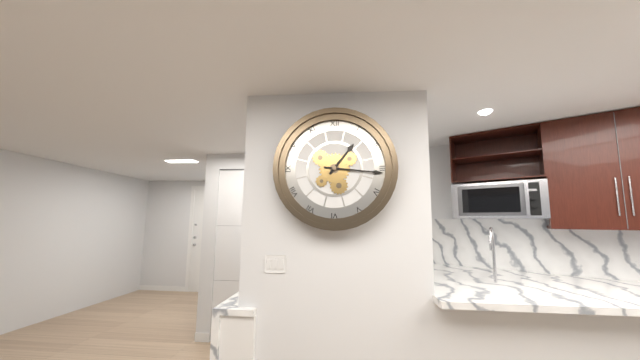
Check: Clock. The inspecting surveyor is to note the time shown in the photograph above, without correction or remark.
1:16
